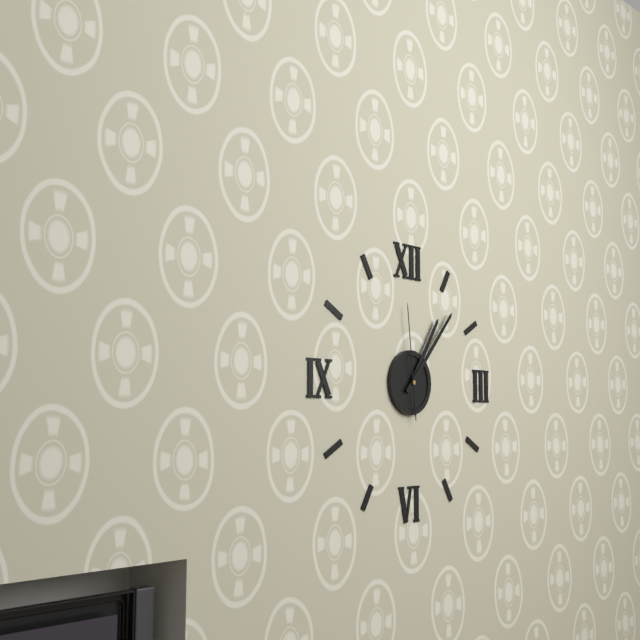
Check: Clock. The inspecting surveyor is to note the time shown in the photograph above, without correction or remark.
1:07:59
